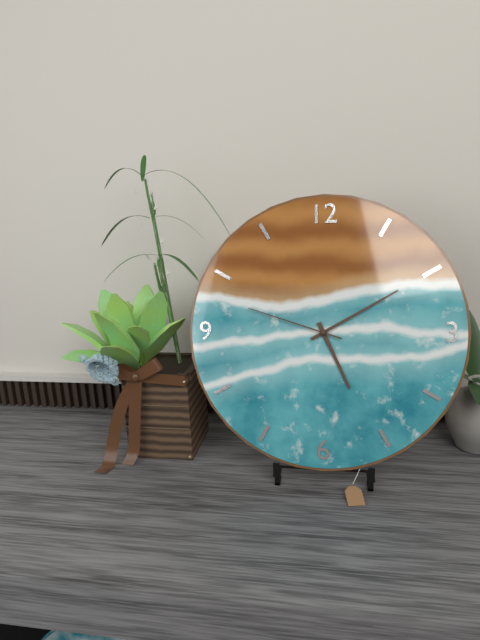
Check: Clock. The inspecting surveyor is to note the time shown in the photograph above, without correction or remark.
5:10:48
